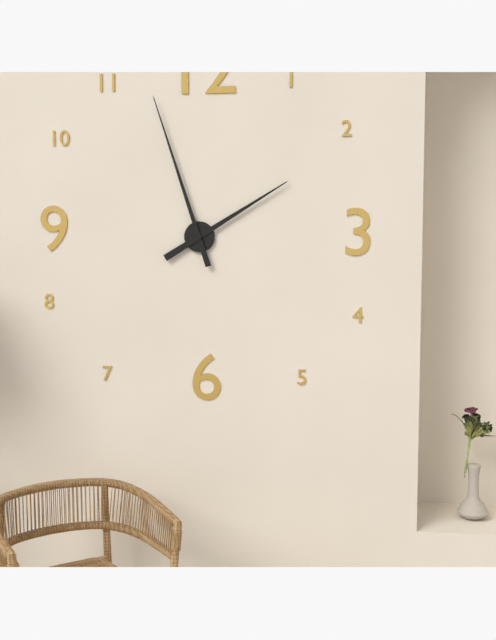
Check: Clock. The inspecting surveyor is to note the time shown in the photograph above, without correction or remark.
1:57
